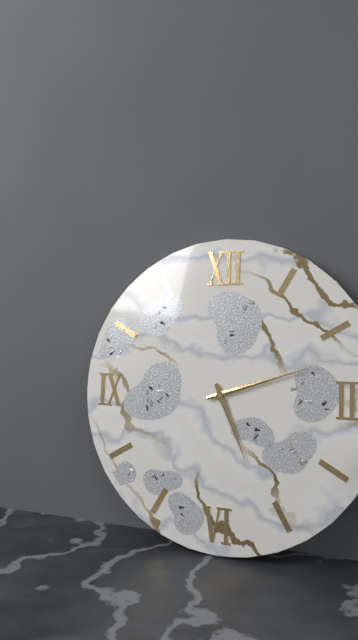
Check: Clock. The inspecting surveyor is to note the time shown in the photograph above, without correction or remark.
5:12
